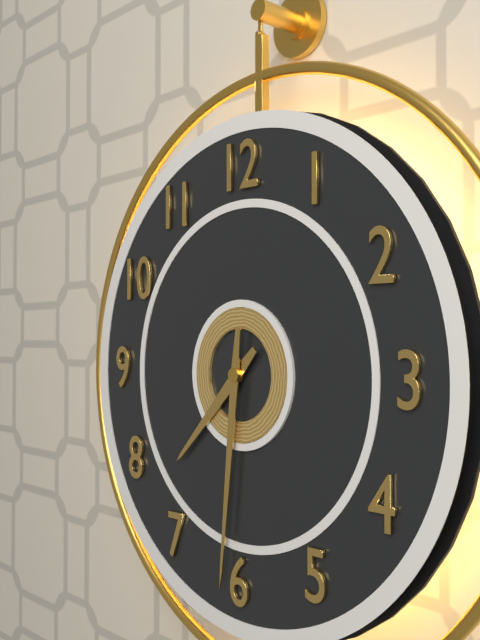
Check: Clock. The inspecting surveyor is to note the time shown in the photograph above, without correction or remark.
7:31
